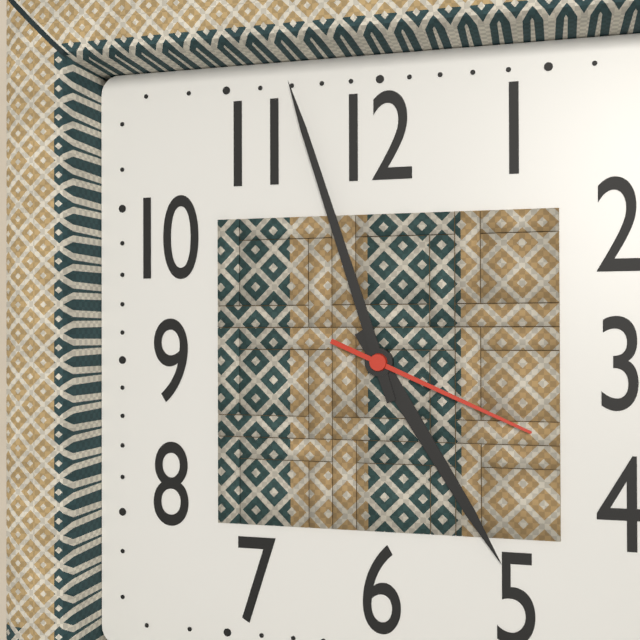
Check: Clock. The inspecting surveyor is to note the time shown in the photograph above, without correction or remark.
4:57:19
